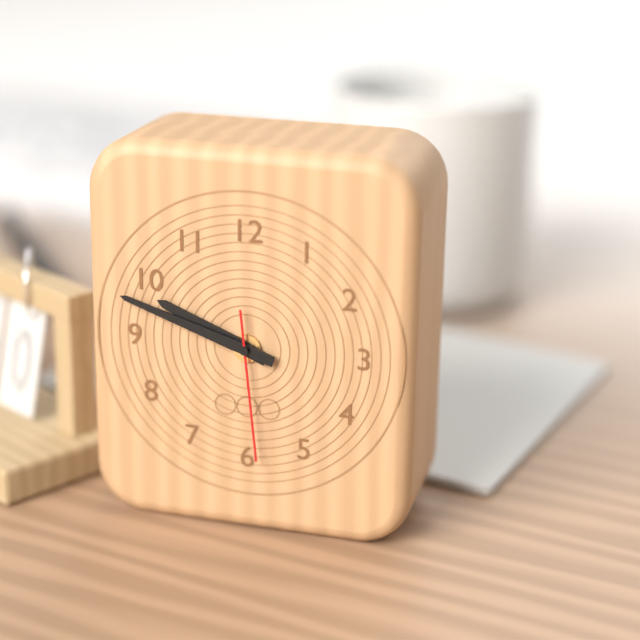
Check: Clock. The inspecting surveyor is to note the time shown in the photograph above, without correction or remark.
9:48:29
